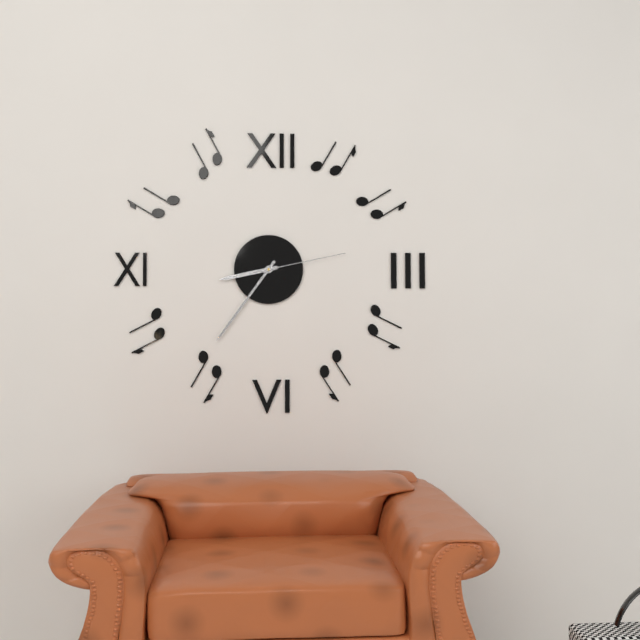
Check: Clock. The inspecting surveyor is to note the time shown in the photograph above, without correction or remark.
8:36:13
